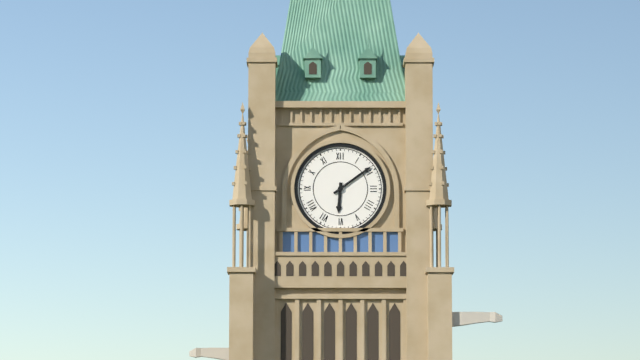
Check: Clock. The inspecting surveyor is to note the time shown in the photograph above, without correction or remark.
6:09
